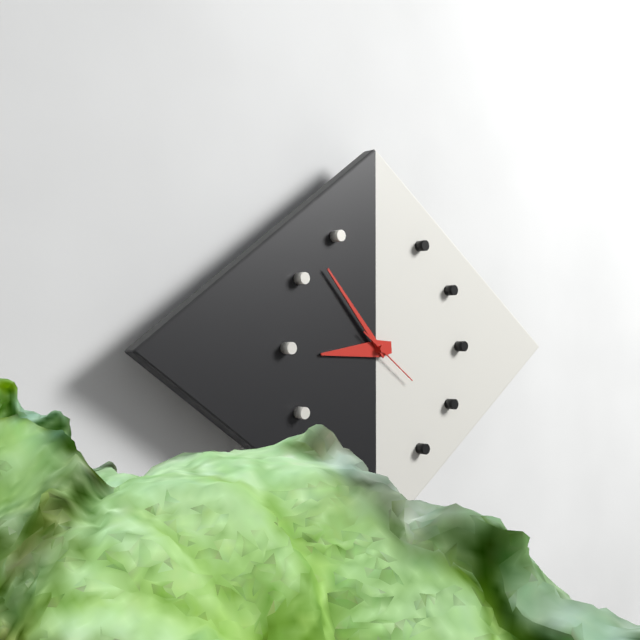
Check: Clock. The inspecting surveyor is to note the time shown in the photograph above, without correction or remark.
8:53:21
